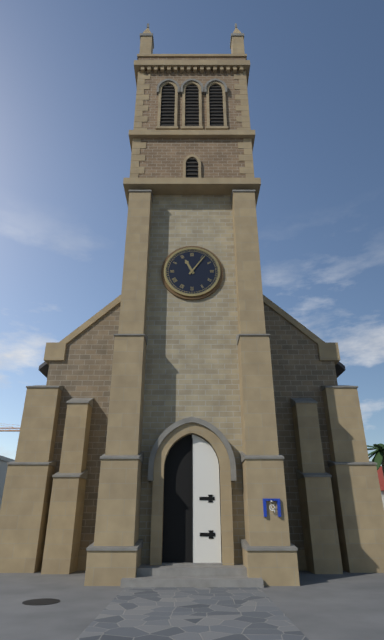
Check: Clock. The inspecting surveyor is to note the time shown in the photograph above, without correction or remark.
11:06
